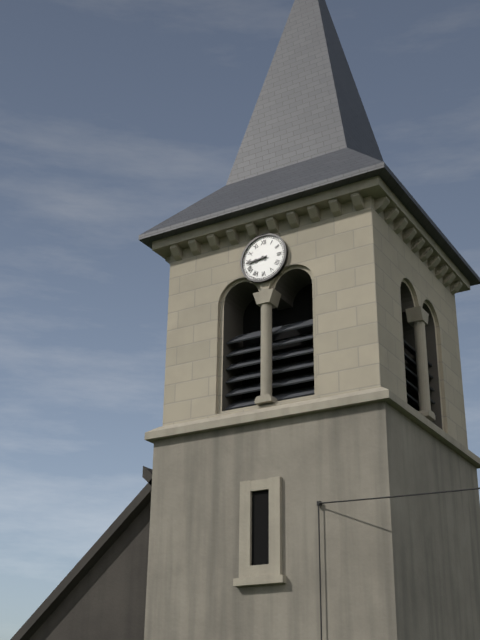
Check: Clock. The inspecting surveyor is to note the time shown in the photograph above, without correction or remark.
8:44
